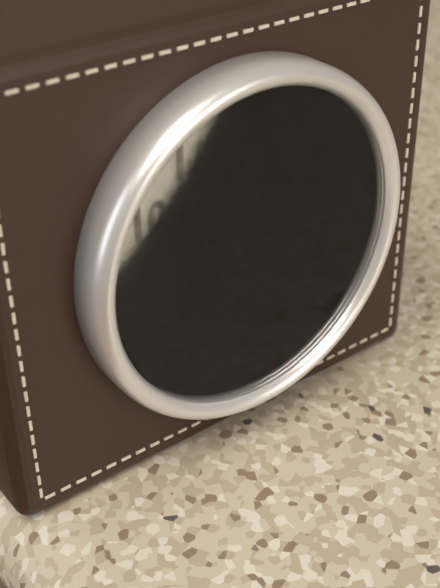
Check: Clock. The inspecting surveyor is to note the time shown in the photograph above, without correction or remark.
7:33
